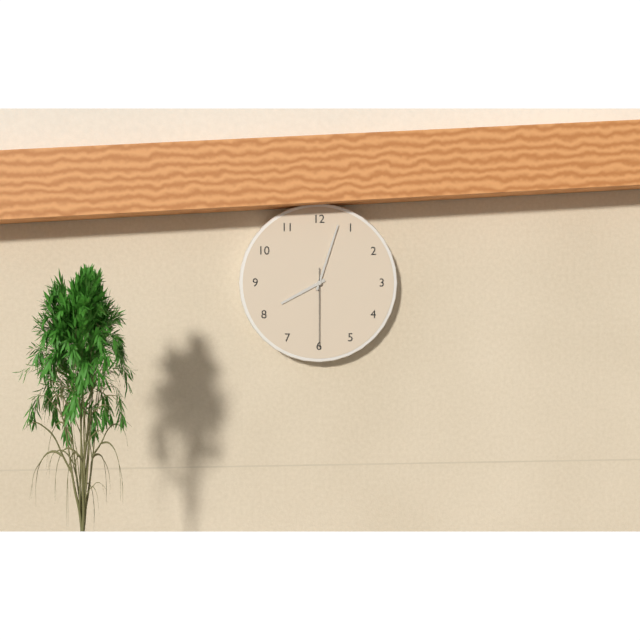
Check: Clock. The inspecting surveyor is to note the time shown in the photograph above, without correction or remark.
8:03:30
